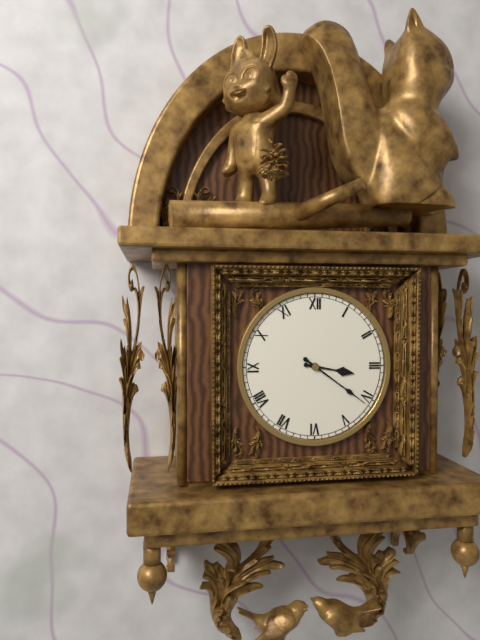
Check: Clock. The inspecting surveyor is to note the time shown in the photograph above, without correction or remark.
3:21
